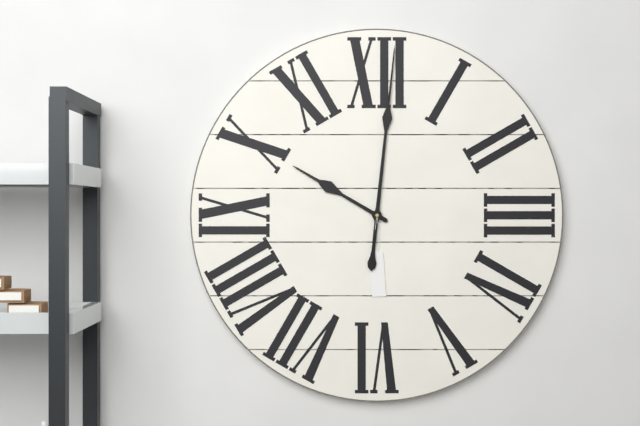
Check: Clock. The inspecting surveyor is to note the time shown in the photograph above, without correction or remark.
10:01
